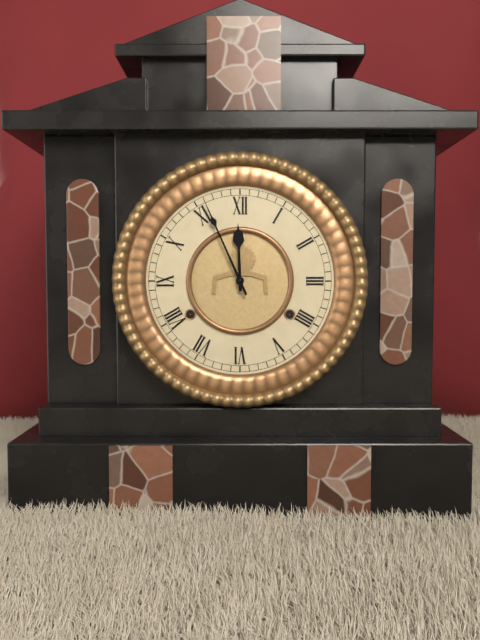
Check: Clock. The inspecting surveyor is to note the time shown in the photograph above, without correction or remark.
11:56
